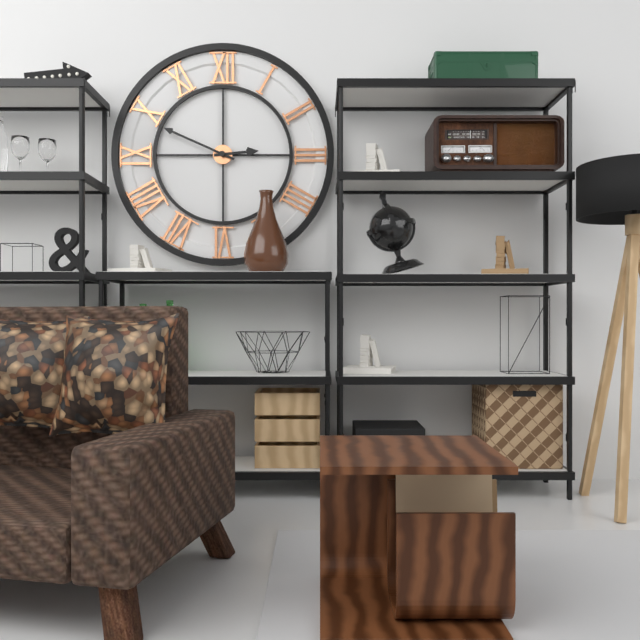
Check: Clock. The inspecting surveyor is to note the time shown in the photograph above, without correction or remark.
2:49
